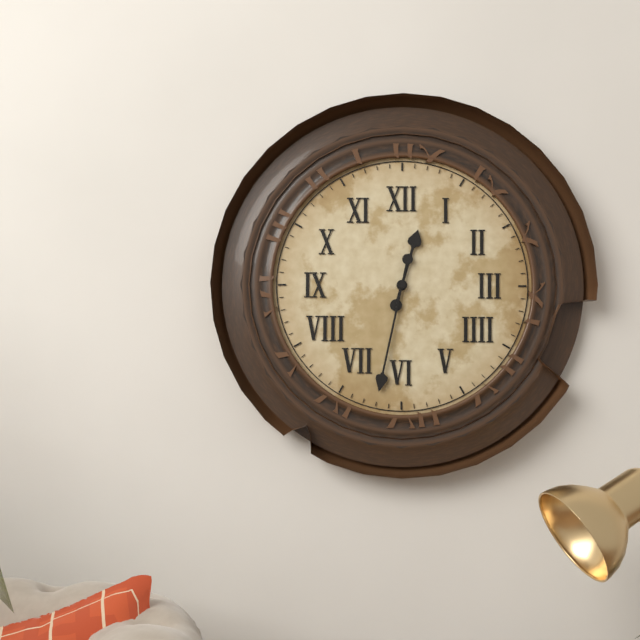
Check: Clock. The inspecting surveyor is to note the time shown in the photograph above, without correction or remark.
12:32
